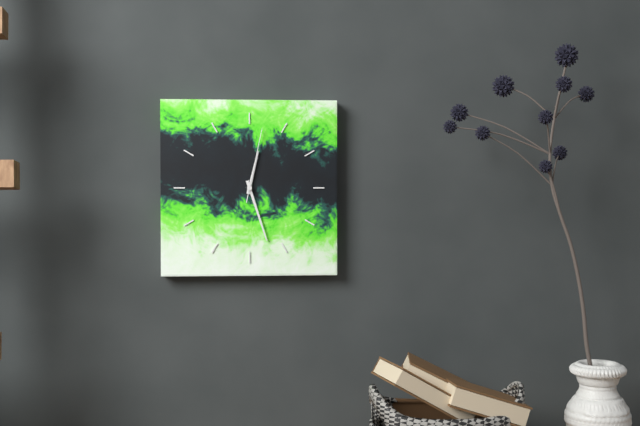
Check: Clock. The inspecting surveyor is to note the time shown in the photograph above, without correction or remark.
12:27:02
